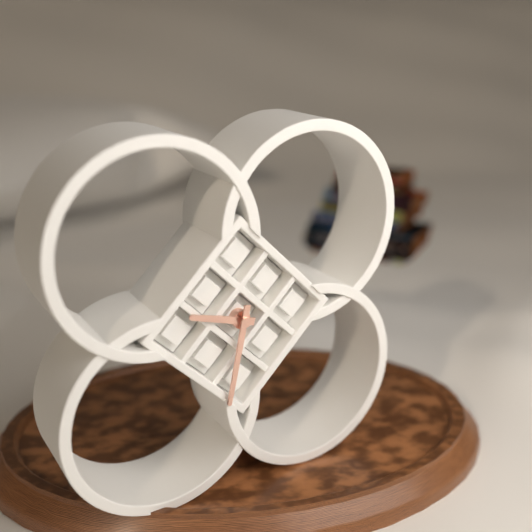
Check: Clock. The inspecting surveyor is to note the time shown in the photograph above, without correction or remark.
9:32
